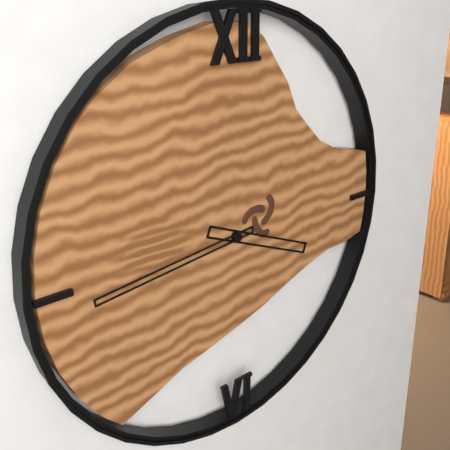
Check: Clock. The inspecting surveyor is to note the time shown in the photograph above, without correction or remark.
3:44
